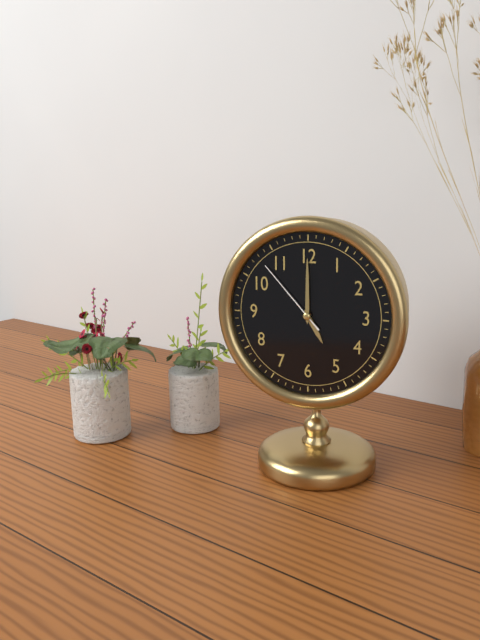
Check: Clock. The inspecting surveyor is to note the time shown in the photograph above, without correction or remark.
5:00:53
